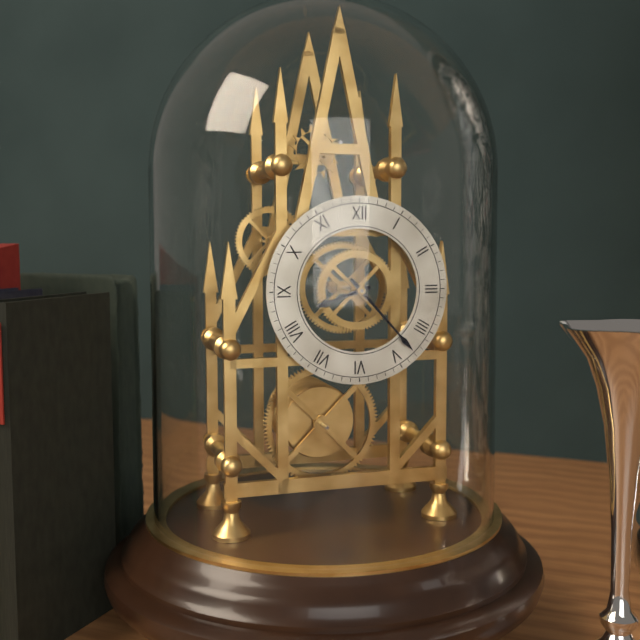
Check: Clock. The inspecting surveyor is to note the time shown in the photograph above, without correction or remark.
8:23
